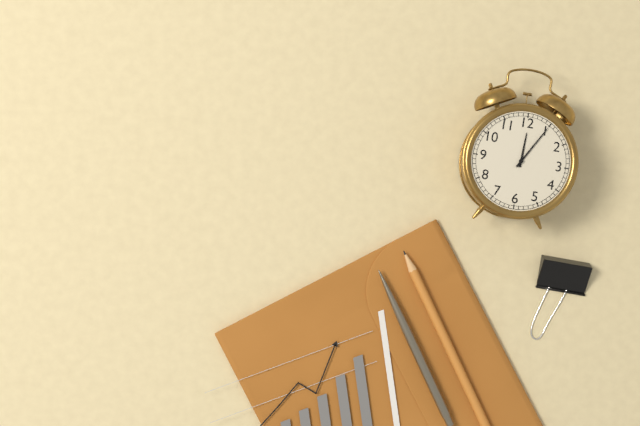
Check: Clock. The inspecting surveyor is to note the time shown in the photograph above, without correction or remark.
12:05
